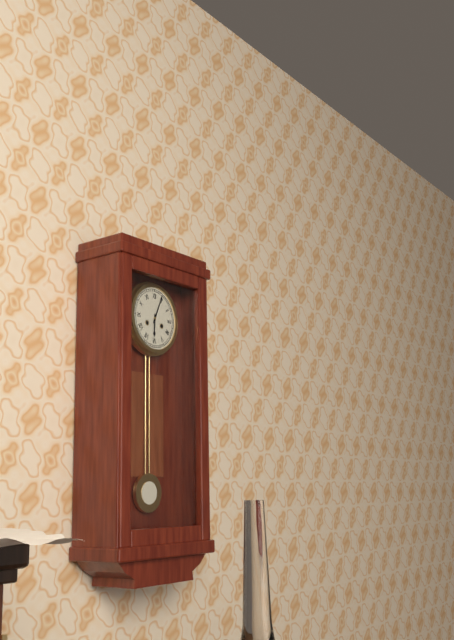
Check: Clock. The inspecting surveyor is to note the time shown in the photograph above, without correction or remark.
6:04
